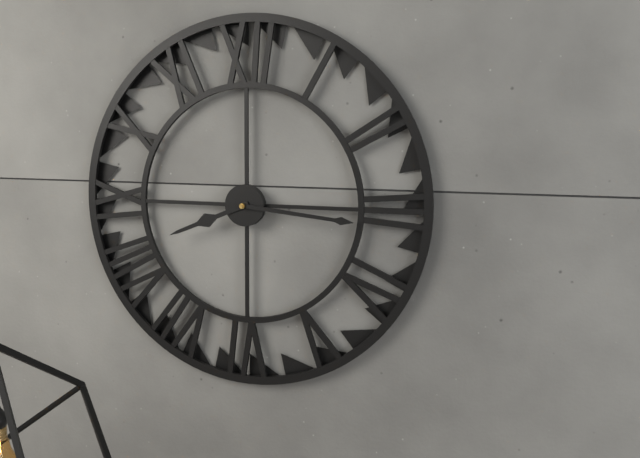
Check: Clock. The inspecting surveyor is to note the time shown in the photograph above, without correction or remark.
8:16
